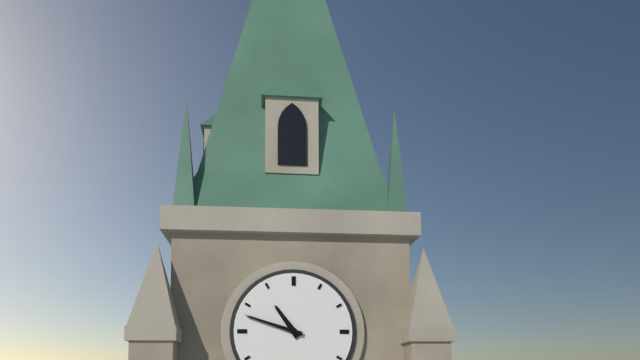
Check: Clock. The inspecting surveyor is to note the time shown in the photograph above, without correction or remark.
10:48
